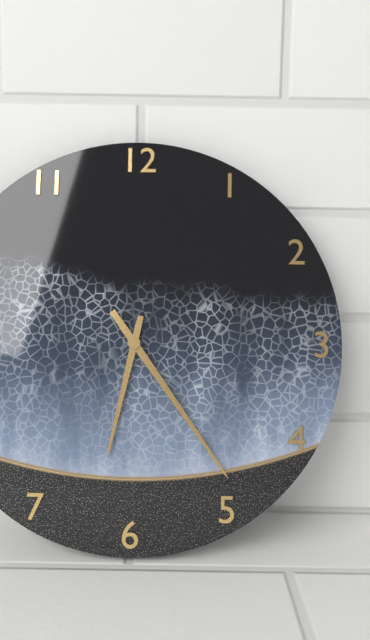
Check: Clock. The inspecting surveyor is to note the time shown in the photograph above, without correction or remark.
6:24
